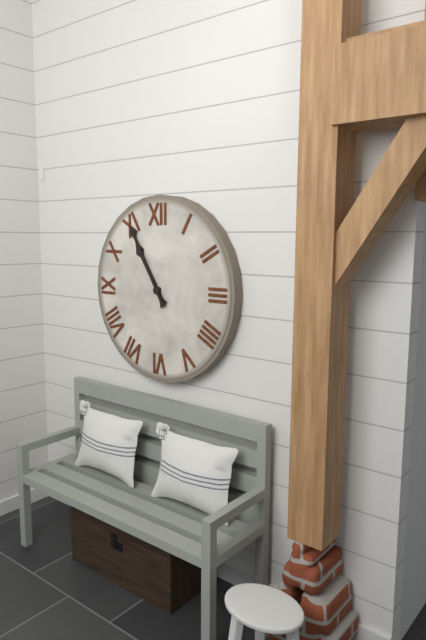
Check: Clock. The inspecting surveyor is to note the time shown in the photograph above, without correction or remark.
10:55
